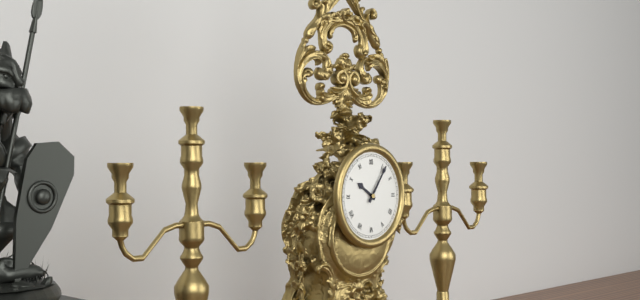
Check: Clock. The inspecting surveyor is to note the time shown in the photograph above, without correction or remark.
10:06
